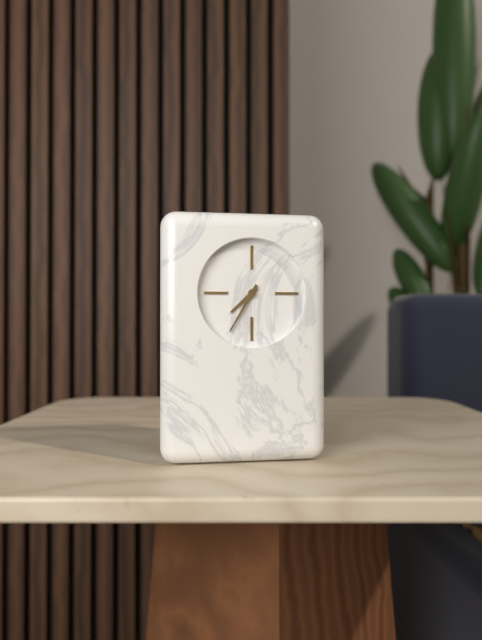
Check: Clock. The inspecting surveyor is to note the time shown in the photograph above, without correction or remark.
7:35
